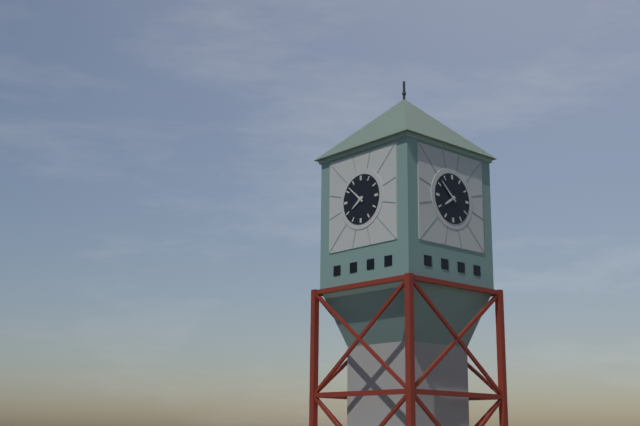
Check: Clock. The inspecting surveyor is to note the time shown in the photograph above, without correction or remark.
7:52
